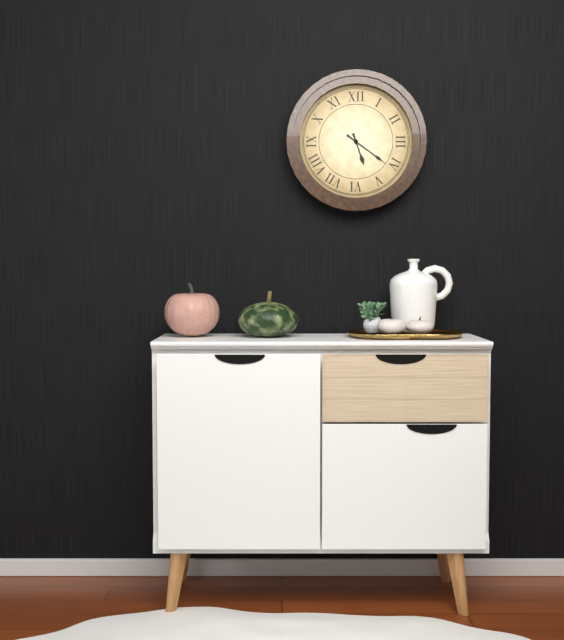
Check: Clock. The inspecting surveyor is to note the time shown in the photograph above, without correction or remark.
5:21
